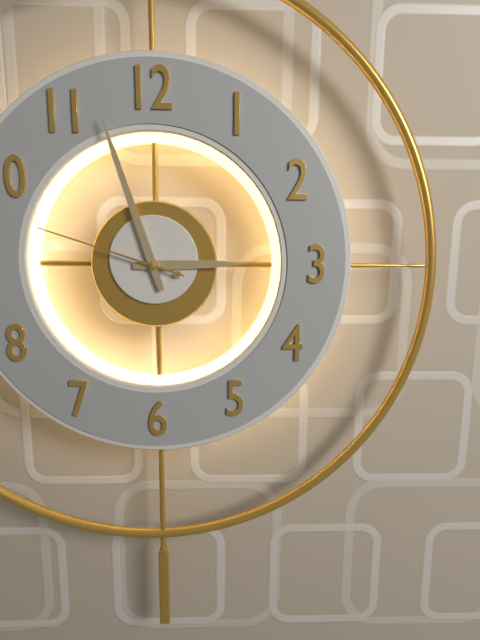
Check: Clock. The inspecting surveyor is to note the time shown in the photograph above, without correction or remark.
2:57:48
